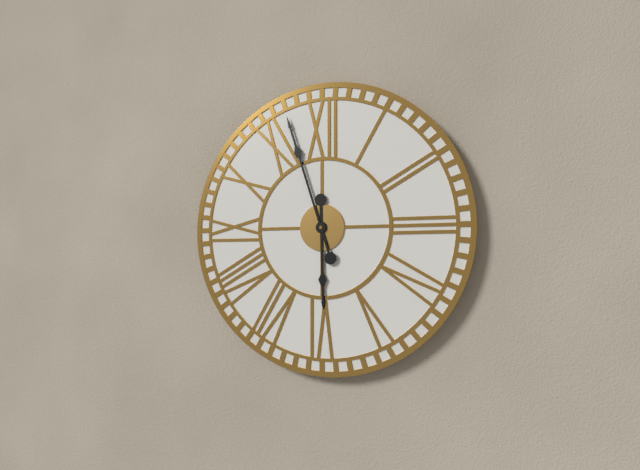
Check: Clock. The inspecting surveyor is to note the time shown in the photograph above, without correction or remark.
5:57
